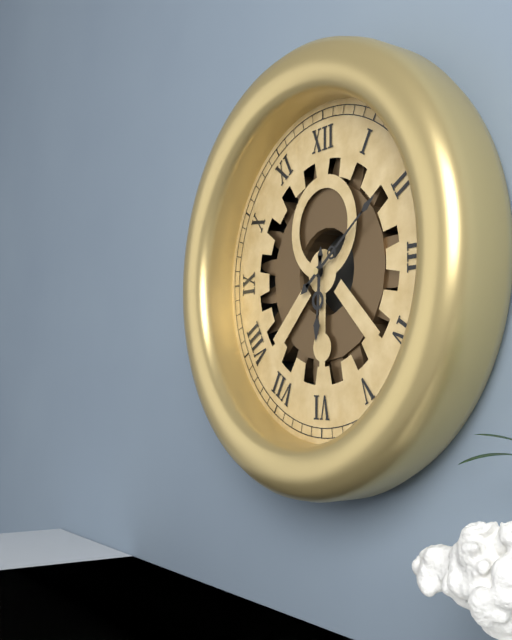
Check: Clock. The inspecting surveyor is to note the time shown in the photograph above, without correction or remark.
6:09
